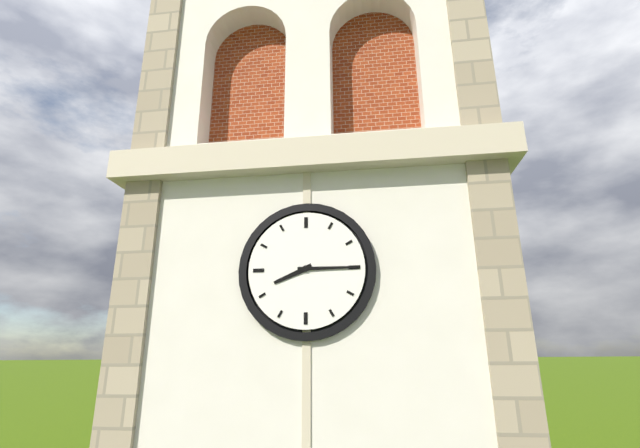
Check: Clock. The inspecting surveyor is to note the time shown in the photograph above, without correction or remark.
8:15
